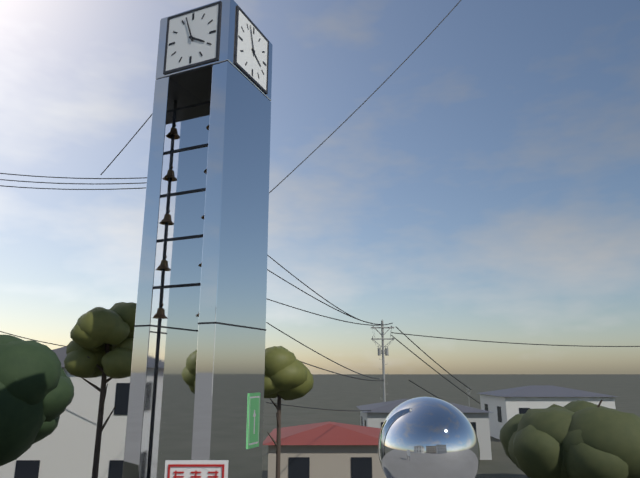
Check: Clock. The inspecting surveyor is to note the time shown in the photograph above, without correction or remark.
3:57
